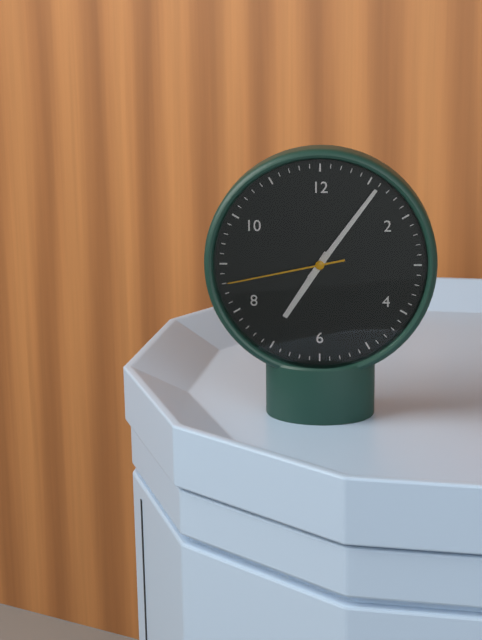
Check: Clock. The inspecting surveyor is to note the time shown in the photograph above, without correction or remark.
7:06:43
